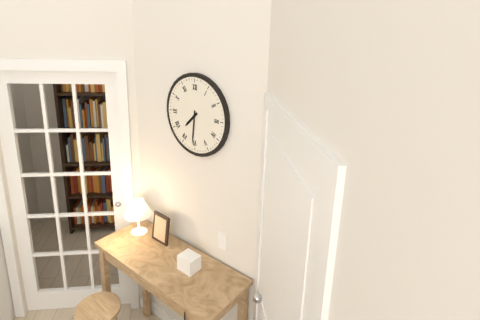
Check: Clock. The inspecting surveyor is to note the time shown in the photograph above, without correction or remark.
7:31
